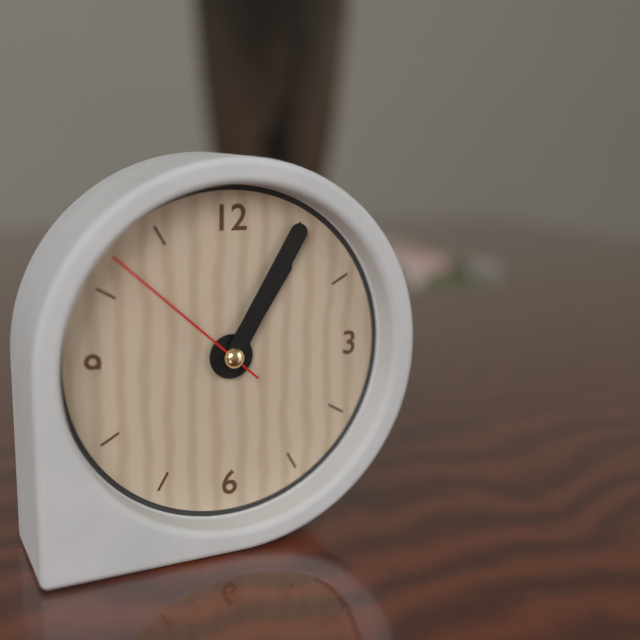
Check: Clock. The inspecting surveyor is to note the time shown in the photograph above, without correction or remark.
1:05:52
